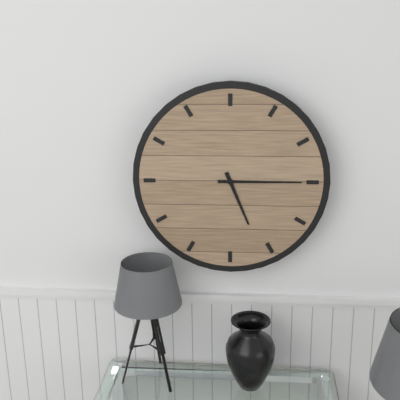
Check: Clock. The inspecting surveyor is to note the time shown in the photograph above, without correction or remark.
5:15
